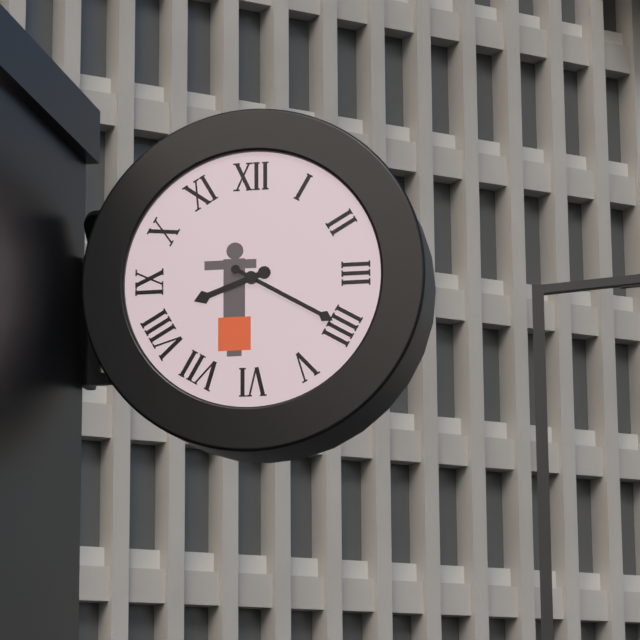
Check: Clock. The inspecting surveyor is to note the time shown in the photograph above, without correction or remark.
8:20
